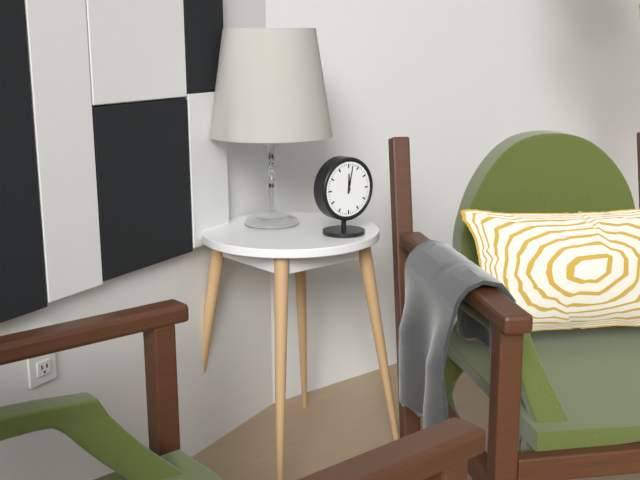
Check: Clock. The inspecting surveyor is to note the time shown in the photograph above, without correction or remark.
12:02
